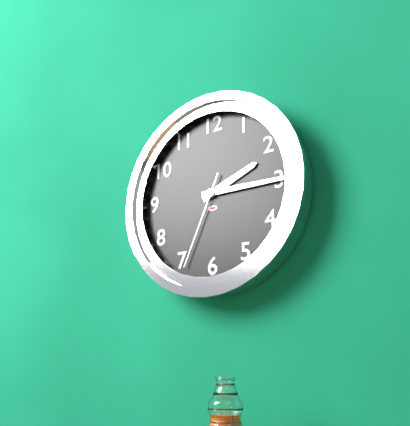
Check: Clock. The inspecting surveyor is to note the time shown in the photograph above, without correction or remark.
2:15:34
